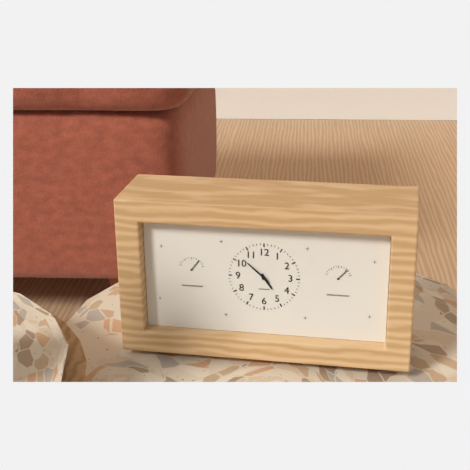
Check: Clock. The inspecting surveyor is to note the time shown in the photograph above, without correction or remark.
4:52
